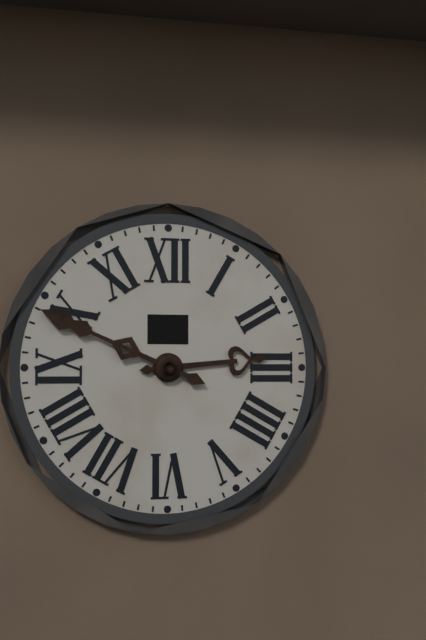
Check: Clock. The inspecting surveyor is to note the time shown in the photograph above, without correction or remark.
2:49
